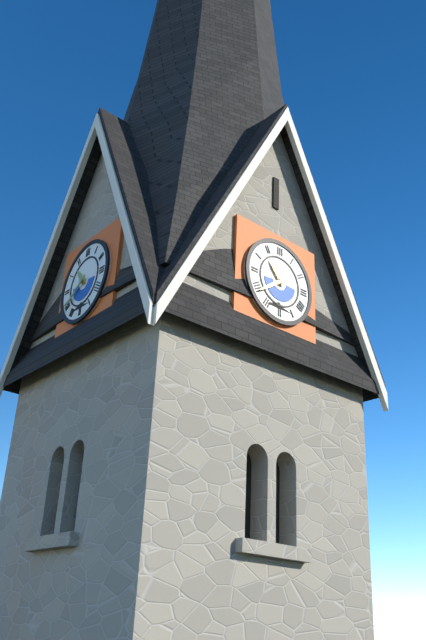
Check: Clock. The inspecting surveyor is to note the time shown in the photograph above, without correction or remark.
10:39
